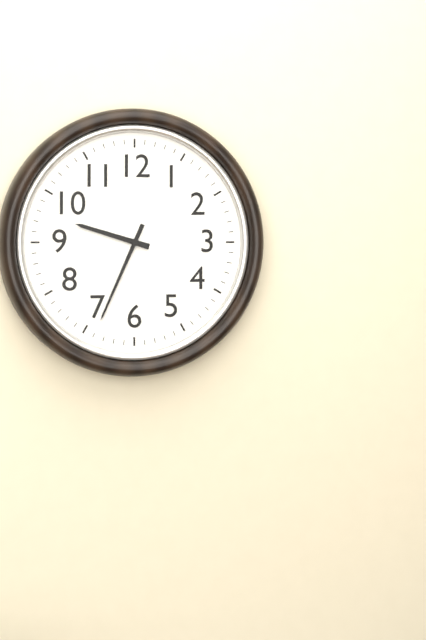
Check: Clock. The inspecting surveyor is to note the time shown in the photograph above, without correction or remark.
9:34
